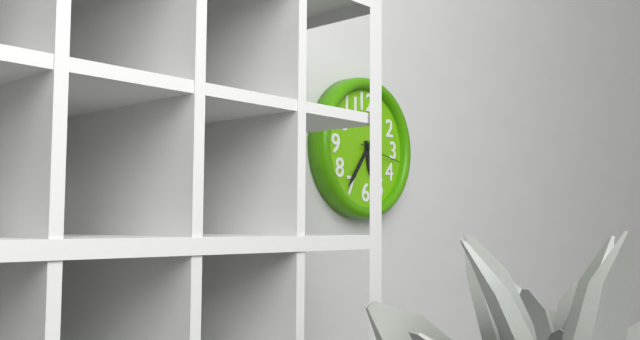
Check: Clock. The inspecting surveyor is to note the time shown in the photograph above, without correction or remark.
5:36
